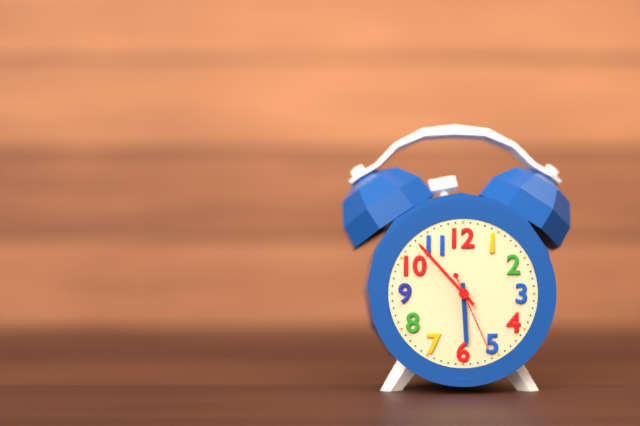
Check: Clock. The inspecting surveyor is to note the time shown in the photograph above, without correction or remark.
5:53:26
